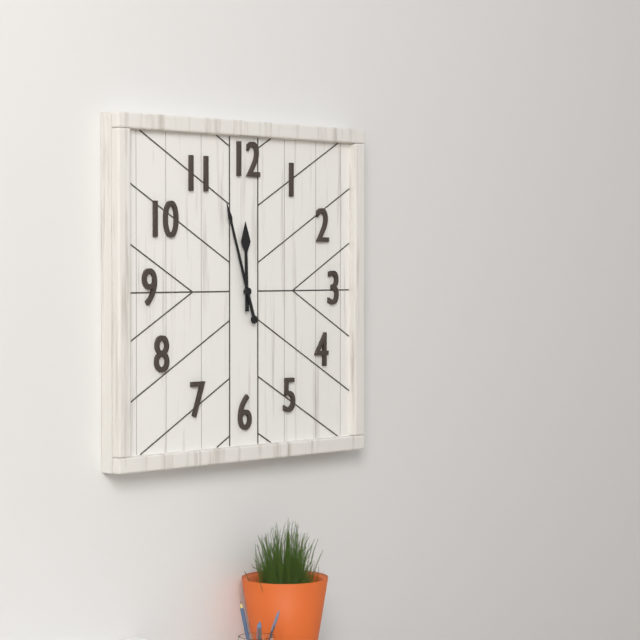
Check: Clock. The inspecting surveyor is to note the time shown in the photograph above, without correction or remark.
11:57
